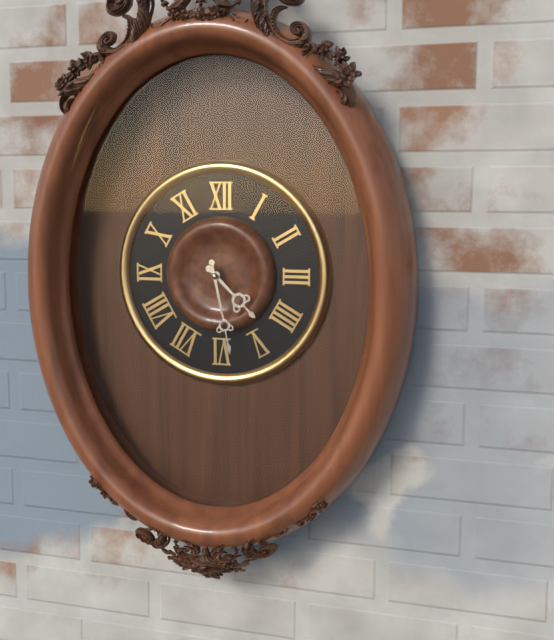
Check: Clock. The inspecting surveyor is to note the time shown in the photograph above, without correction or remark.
4:28
